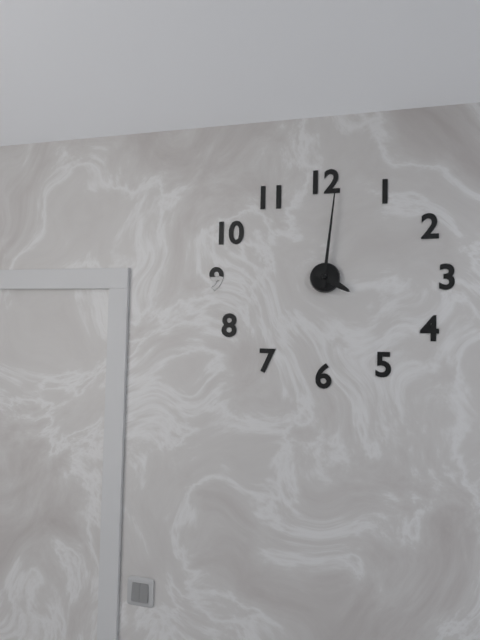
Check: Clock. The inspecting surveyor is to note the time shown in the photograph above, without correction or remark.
4:01
